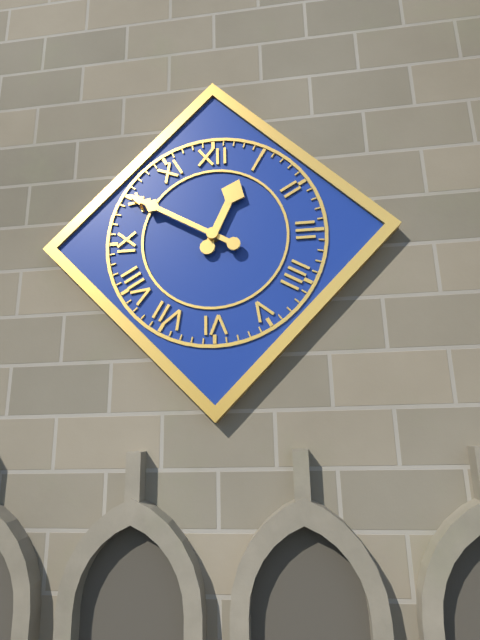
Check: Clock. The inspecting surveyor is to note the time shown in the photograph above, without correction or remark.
12:50
